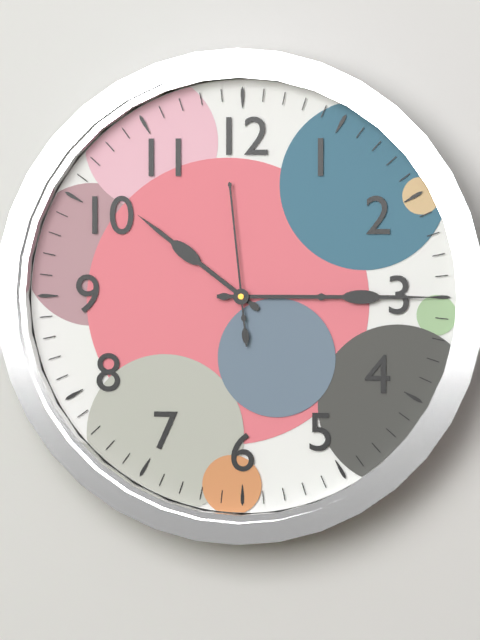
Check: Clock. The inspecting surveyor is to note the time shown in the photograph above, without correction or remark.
10:15:59
